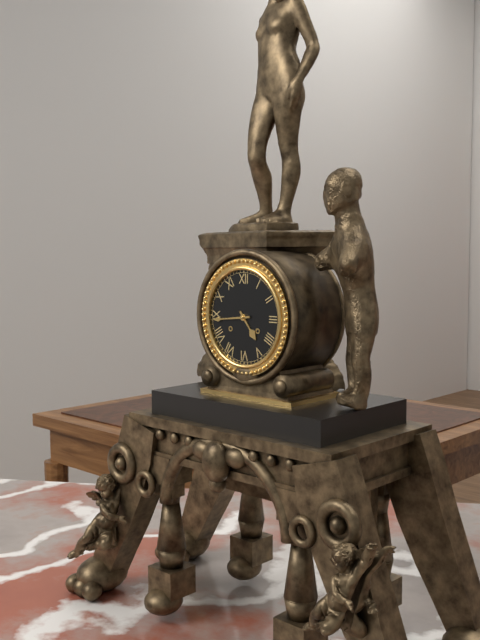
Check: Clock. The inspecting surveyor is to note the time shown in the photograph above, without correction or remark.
4:44
